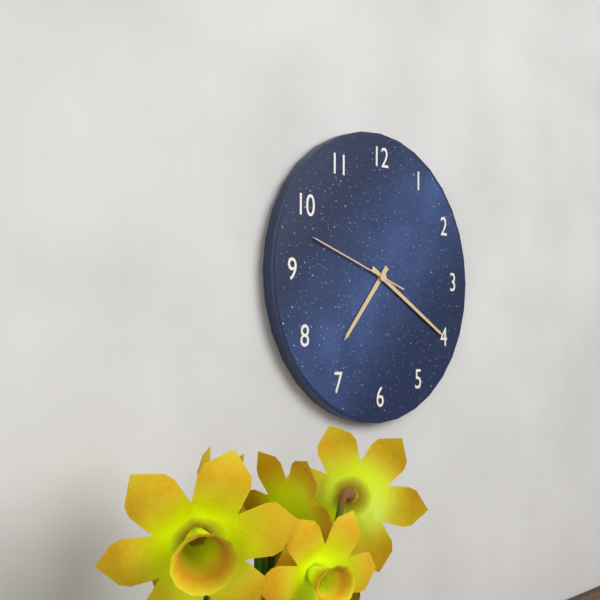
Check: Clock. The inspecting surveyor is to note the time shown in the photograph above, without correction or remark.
7:20:48
